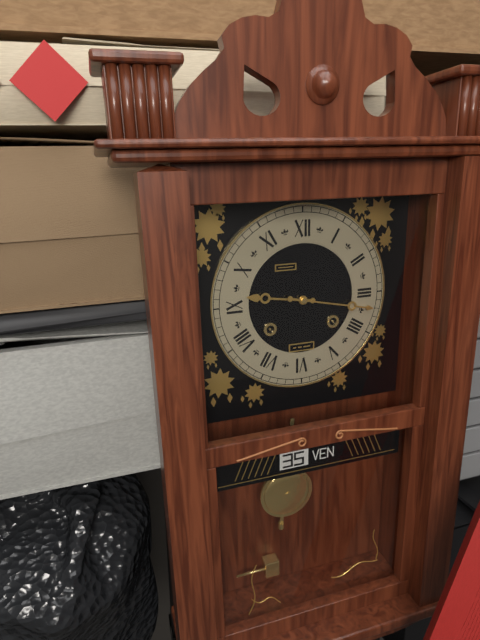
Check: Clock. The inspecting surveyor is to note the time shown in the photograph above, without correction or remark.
9:17
